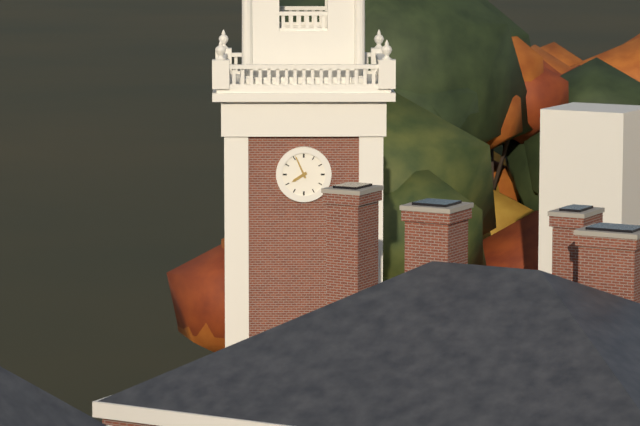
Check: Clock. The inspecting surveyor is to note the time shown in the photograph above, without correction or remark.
7:56
